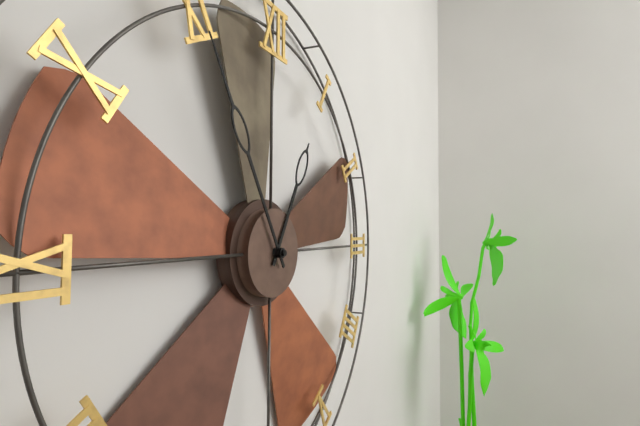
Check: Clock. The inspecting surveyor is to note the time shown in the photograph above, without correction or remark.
12:55
